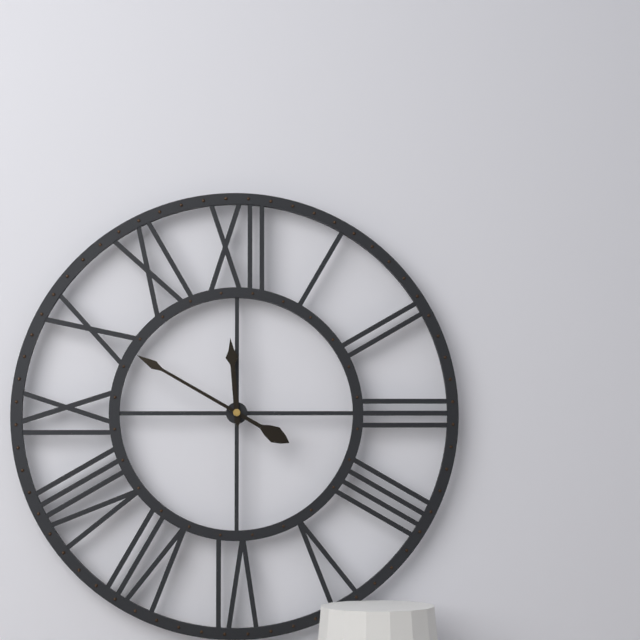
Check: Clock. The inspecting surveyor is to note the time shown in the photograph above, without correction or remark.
11:50
